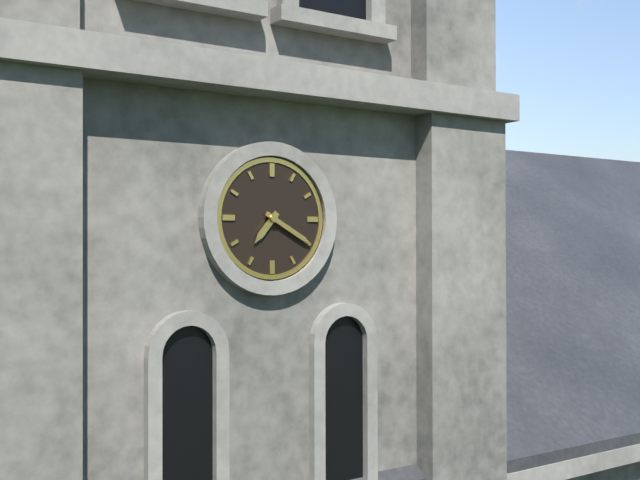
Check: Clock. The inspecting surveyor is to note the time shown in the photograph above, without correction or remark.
7:20
